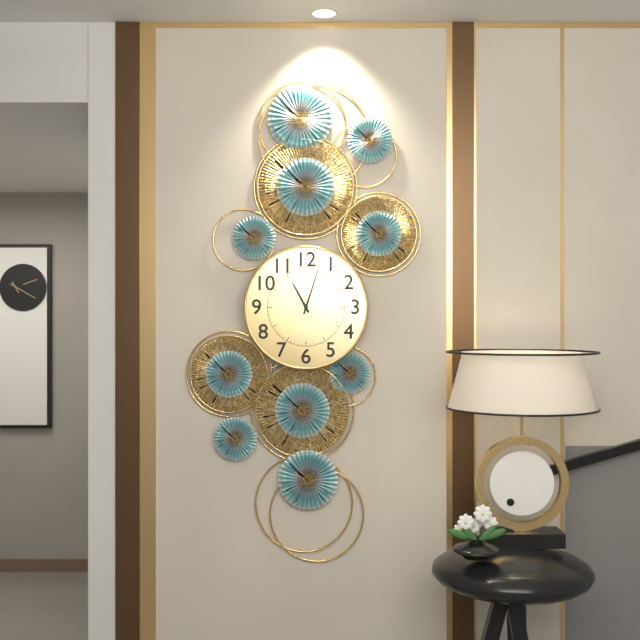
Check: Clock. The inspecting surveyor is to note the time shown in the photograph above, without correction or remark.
11:03
